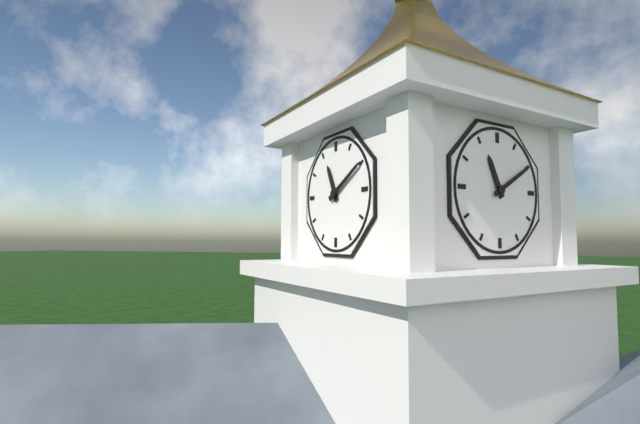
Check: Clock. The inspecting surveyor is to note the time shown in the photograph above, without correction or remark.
11:10
